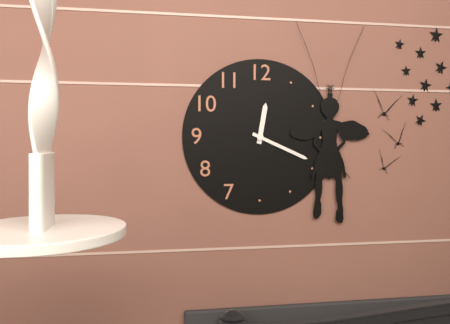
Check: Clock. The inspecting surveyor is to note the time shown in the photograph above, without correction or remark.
12:19
